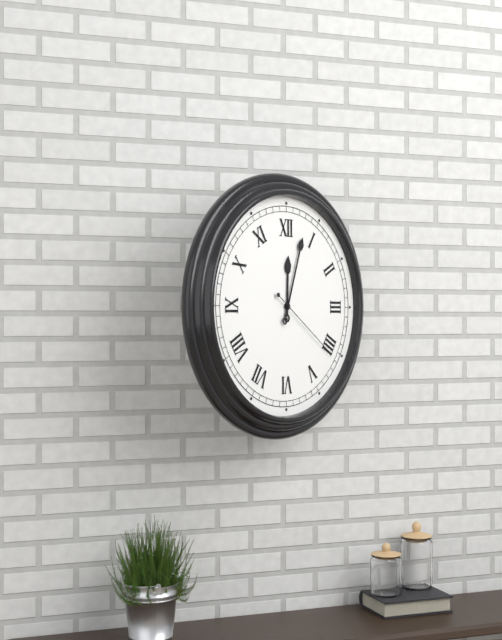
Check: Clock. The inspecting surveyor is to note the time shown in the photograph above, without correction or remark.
12:03:21
